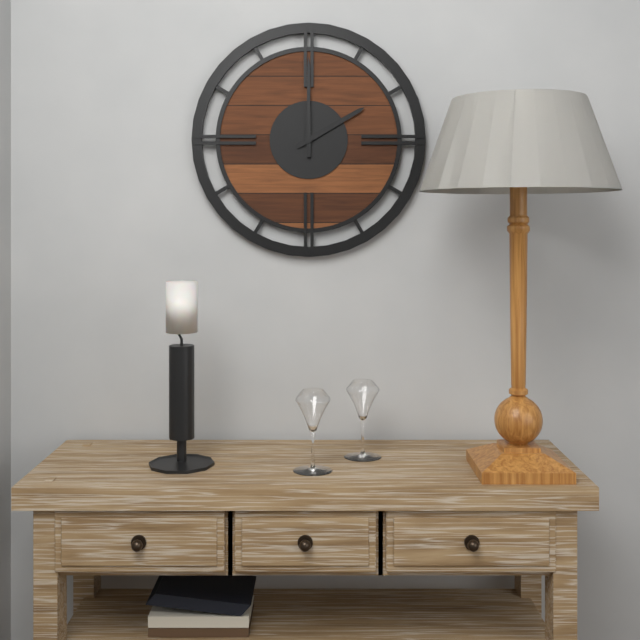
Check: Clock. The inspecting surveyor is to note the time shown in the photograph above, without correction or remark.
2:00
